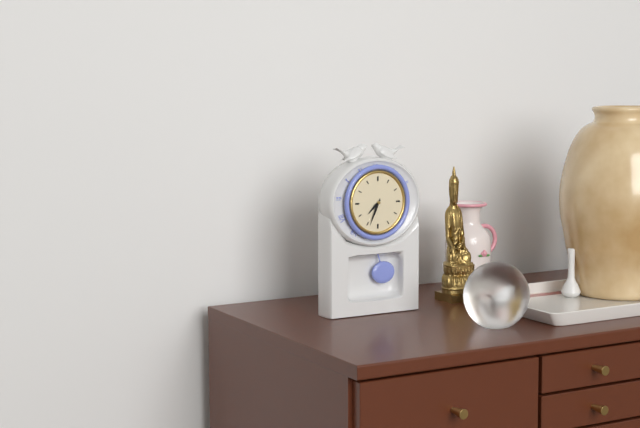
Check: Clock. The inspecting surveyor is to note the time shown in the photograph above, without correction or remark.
7:34
